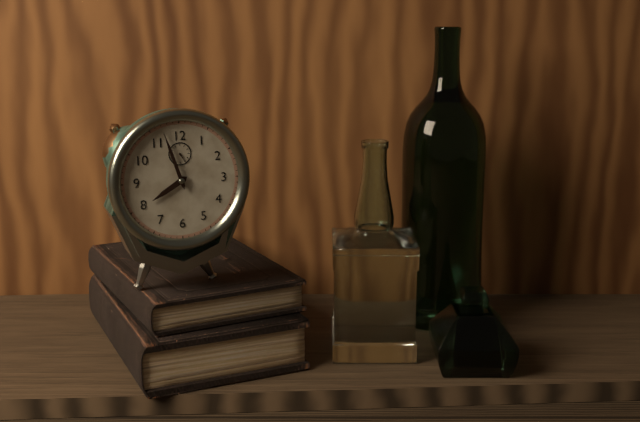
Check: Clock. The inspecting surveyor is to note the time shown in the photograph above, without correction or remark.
7:57
